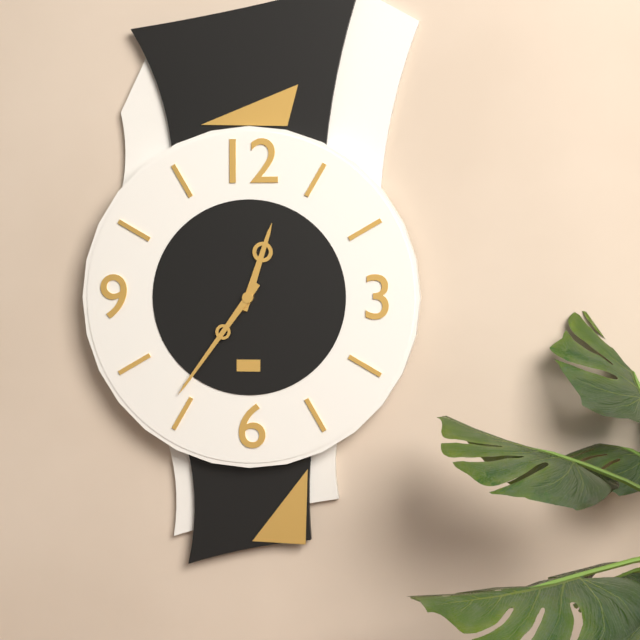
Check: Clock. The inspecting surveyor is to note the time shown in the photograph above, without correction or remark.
12:36
